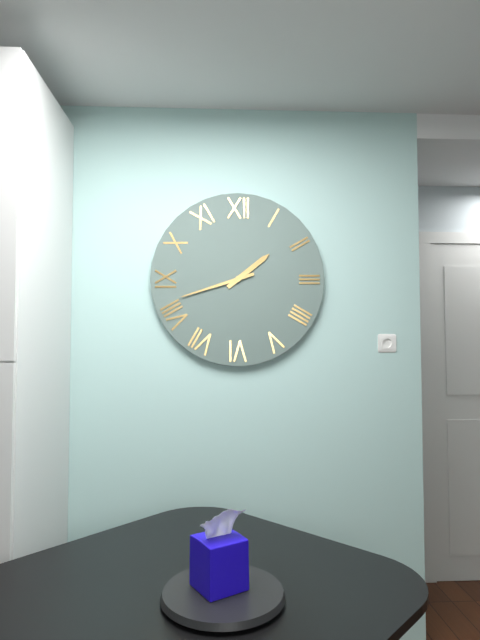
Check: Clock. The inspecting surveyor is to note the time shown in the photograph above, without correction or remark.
1:42
